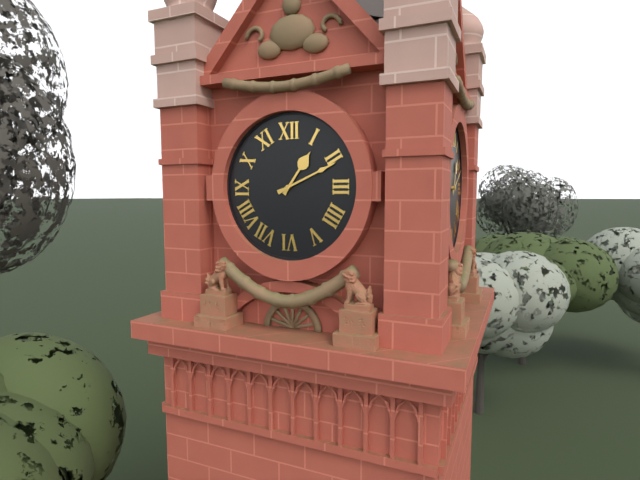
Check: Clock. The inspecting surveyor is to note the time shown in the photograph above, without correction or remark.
1:11
